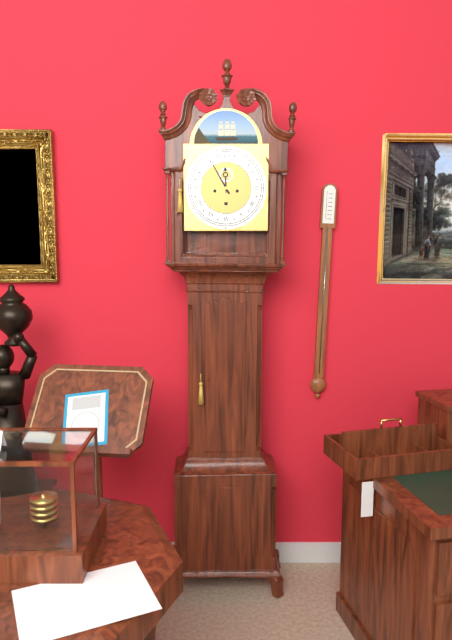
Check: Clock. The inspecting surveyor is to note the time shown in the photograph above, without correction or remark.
11:55
